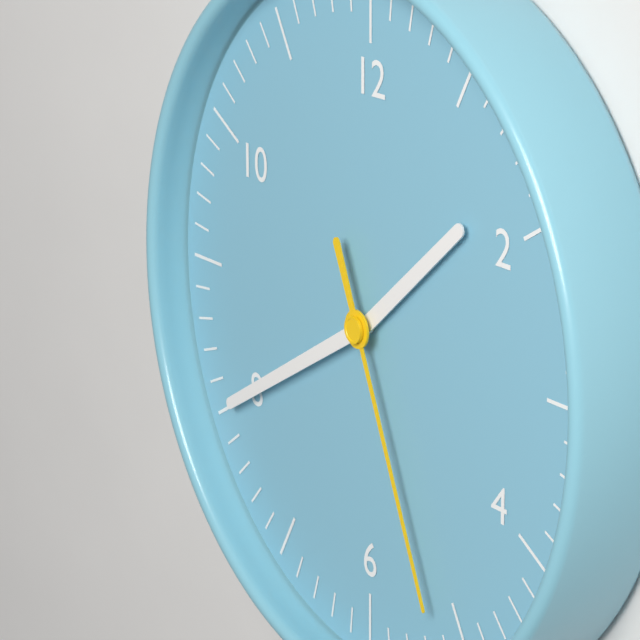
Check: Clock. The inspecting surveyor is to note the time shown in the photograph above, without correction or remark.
1:40:26
